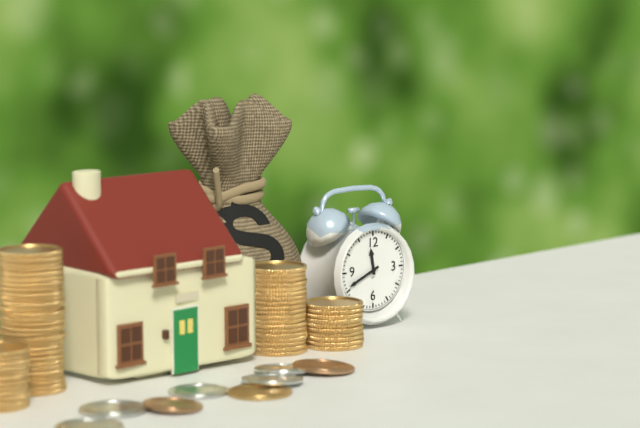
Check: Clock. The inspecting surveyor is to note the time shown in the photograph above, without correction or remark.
11:41
